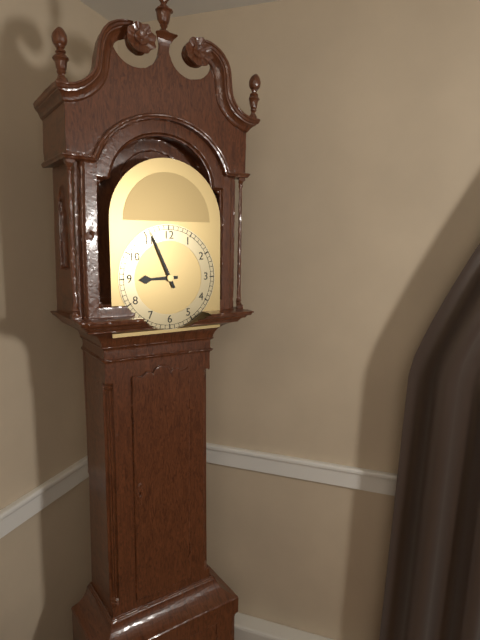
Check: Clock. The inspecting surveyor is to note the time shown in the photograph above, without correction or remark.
8:56
